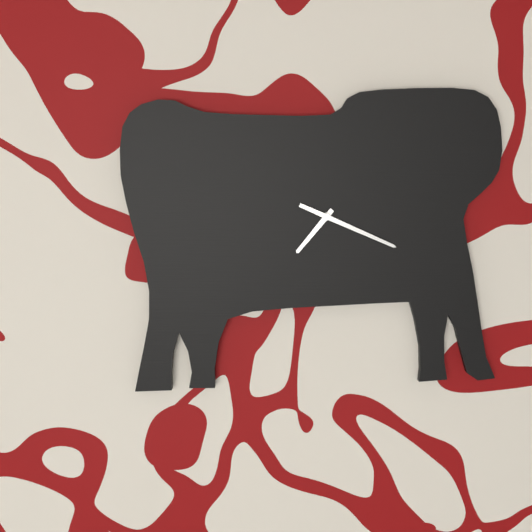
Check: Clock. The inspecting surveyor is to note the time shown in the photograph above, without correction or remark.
7:19
